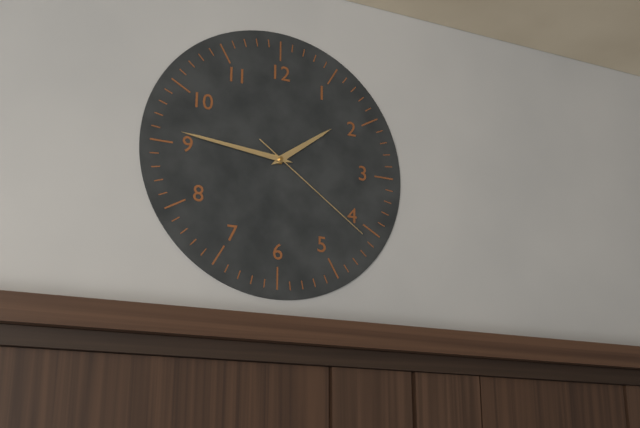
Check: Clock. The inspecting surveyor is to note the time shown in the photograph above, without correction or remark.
1:46:21
